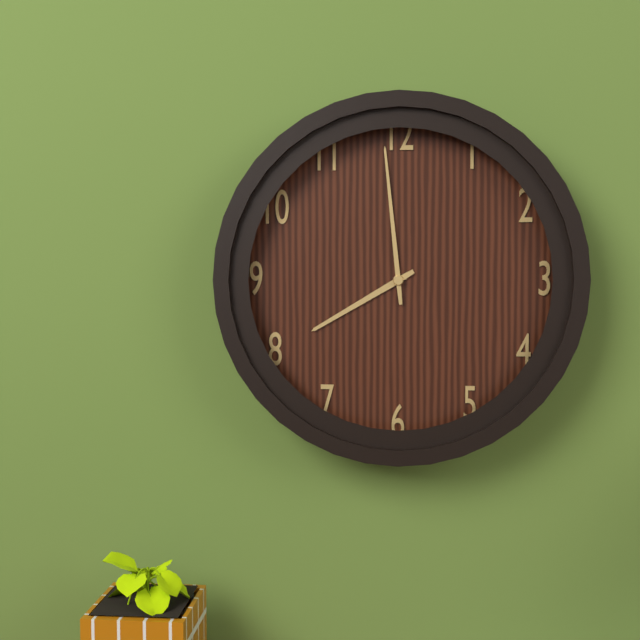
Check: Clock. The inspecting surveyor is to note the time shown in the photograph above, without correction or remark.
7:59
